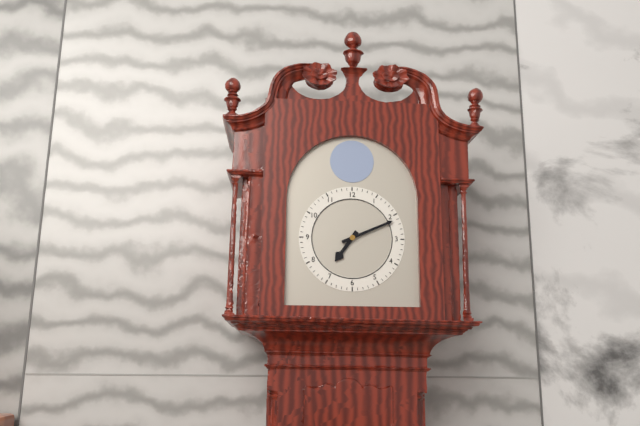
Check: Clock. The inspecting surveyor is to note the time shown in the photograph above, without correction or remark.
7:11
